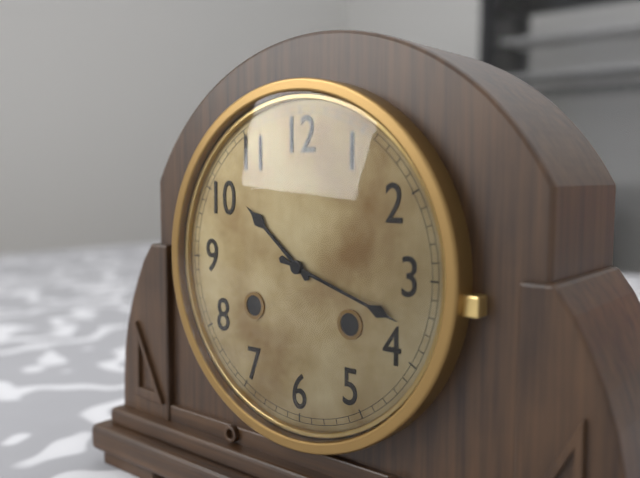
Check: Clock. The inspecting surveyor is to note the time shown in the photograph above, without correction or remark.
10:18
